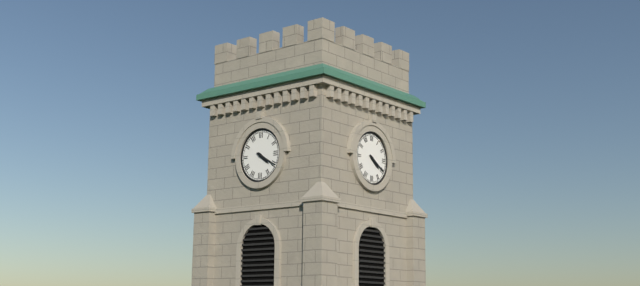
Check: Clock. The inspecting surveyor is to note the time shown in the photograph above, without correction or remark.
4:20
